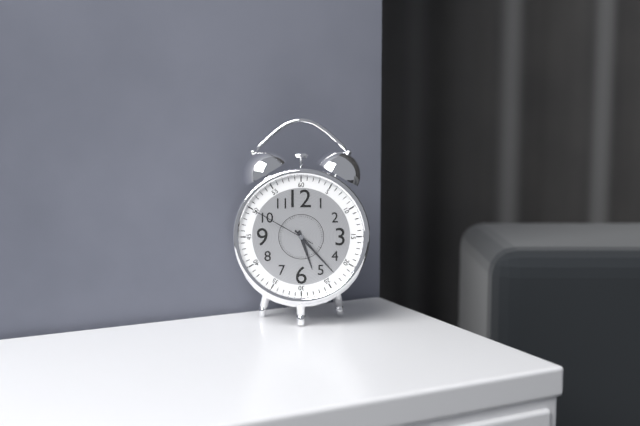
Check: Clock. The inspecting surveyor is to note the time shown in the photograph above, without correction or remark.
5:23:50
